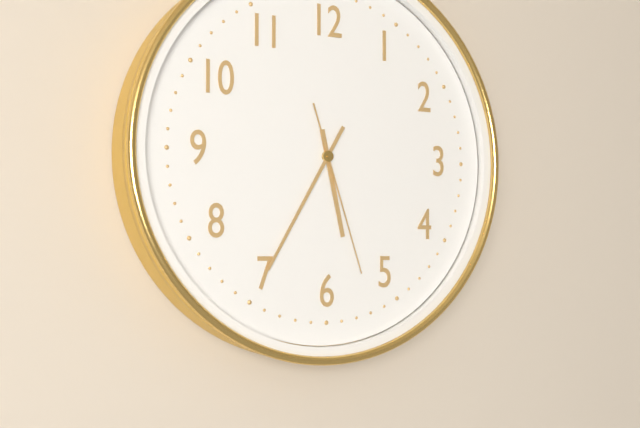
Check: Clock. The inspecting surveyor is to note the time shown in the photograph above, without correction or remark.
5:35:27
